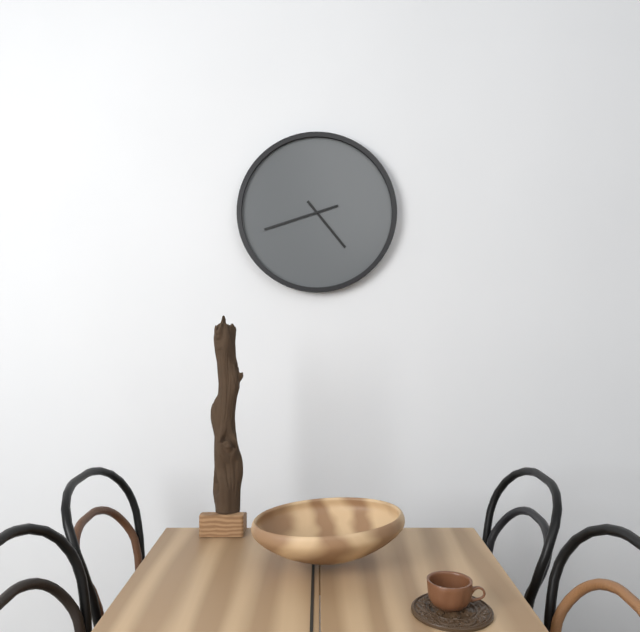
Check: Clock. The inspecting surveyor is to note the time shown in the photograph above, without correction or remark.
4:42
